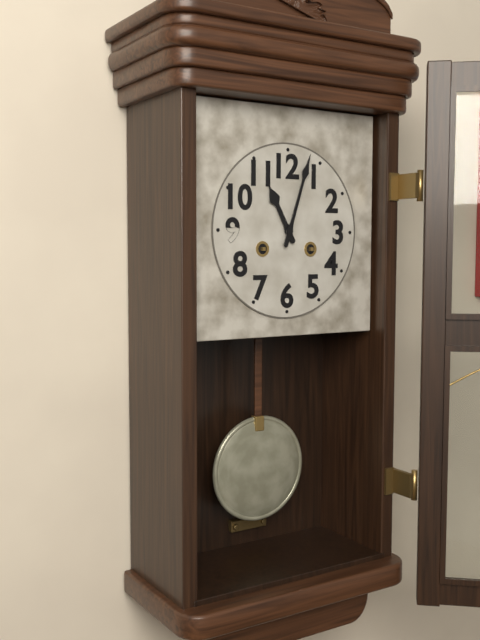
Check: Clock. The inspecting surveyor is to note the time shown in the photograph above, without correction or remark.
11:03
